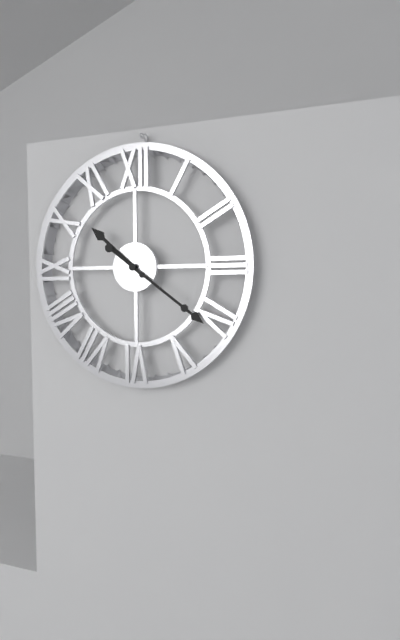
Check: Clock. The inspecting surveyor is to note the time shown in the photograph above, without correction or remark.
10:21
